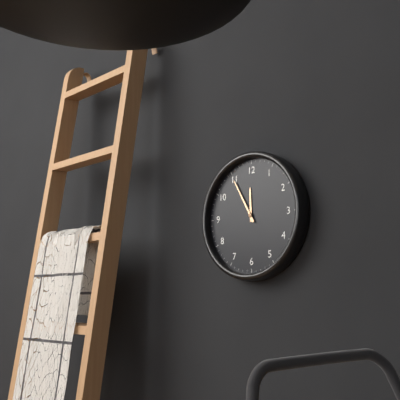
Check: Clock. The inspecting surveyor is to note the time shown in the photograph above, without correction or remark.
11:55
